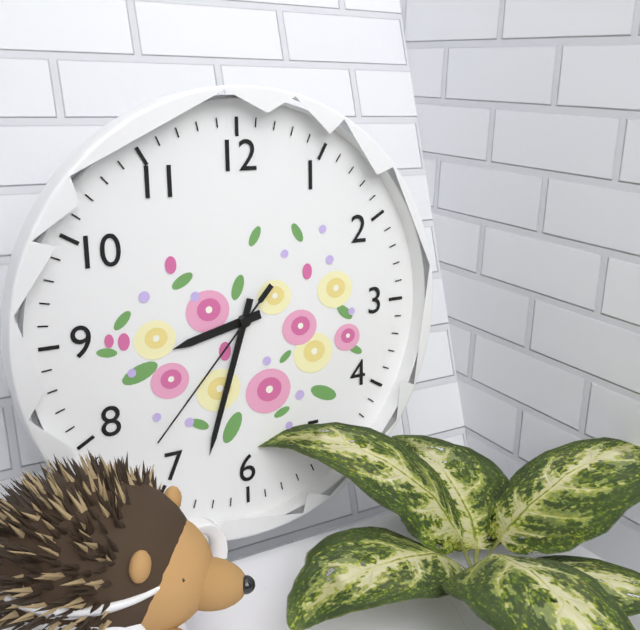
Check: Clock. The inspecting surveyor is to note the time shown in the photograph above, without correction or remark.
8:33:37
